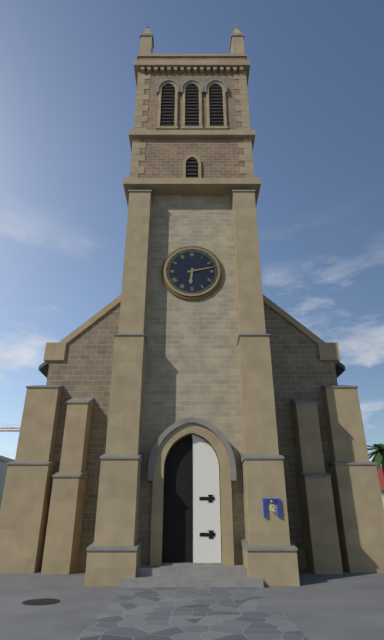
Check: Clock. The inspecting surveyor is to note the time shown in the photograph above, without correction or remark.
6:13
